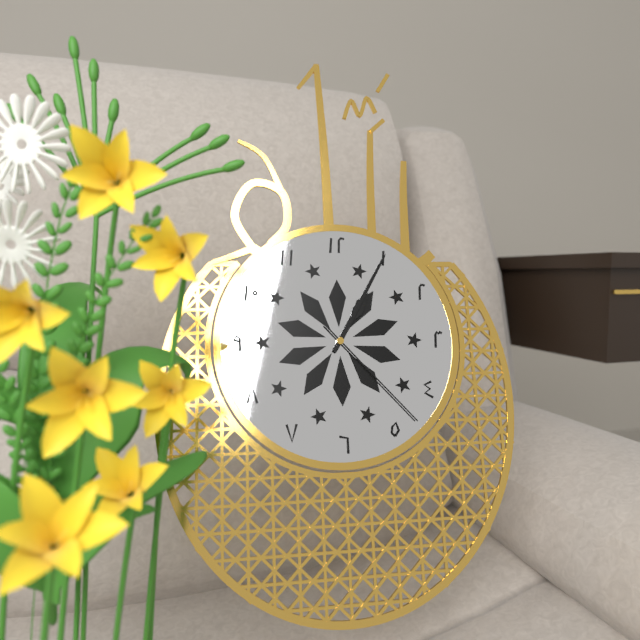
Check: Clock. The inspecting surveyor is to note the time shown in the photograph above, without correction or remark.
1:05:23
